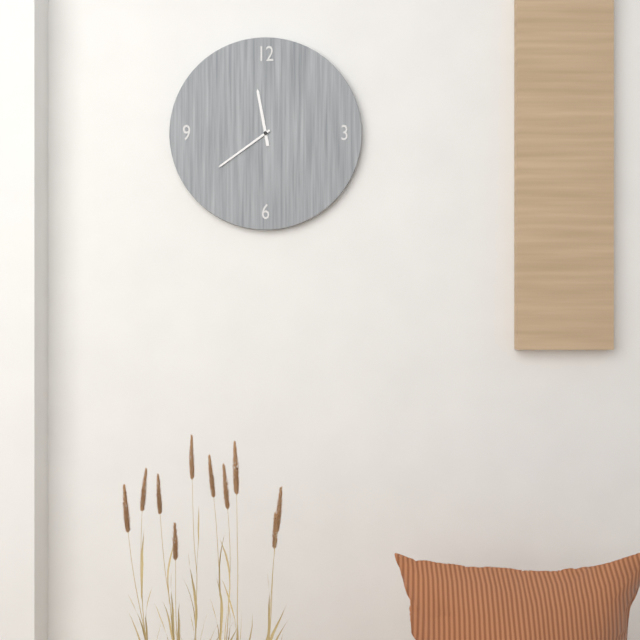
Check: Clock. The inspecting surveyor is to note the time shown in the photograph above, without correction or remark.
11:39
